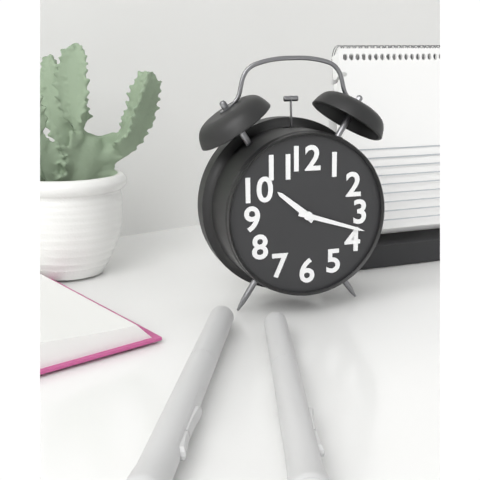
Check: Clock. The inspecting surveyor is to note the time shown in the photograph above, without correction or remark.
10:18
